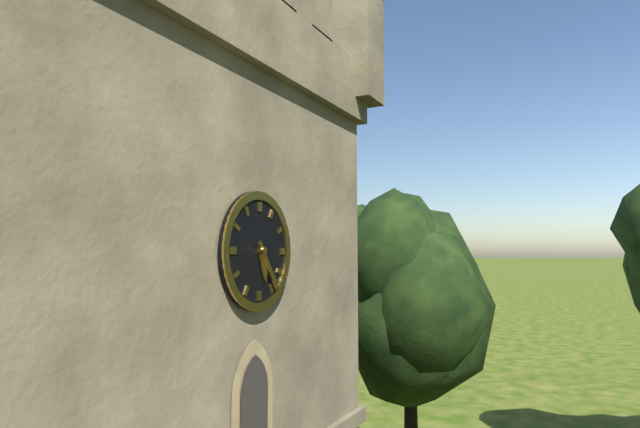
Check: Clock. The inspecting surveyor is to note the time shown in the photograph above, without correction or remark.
5:24
